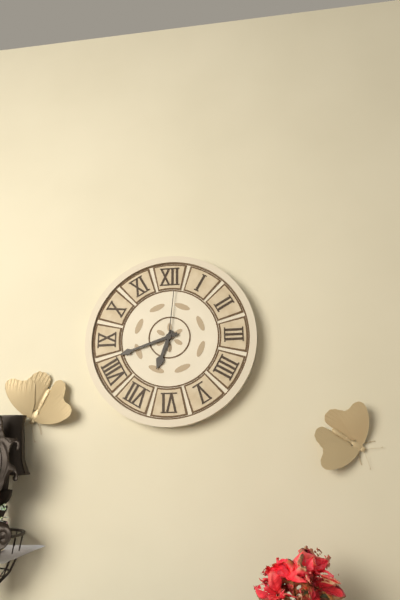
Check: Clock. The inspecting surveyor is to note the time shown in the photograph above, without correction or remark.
6:42:01
